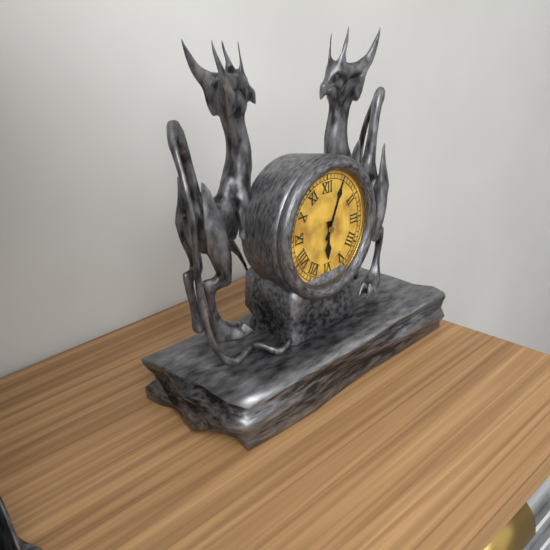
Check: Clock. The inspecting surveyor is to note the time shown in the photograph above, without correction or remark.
6:04
